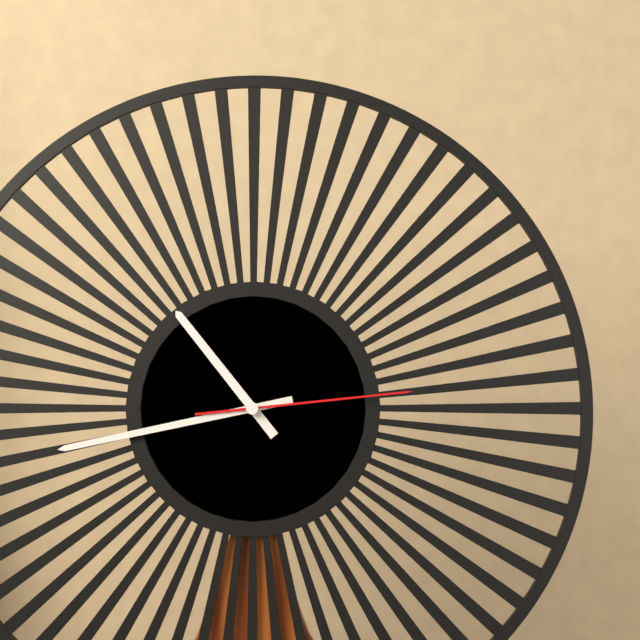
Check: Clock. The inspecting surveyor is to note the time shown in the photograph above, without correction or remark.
10:43:14
